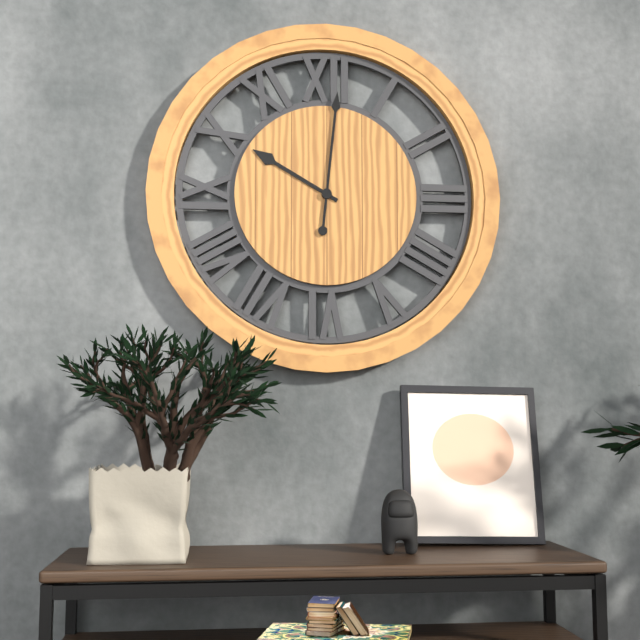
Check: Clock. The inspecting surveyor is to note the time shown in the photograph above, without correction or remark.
10:01
